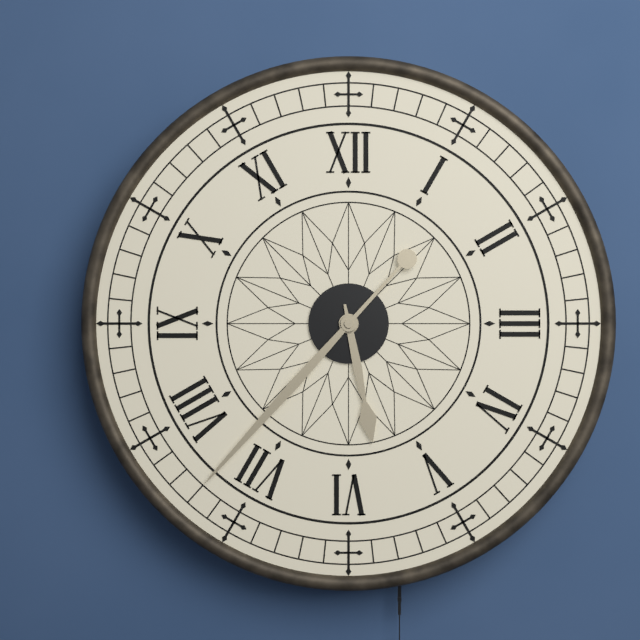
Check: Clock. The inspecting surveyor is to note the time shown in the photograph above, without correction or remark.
5:37
